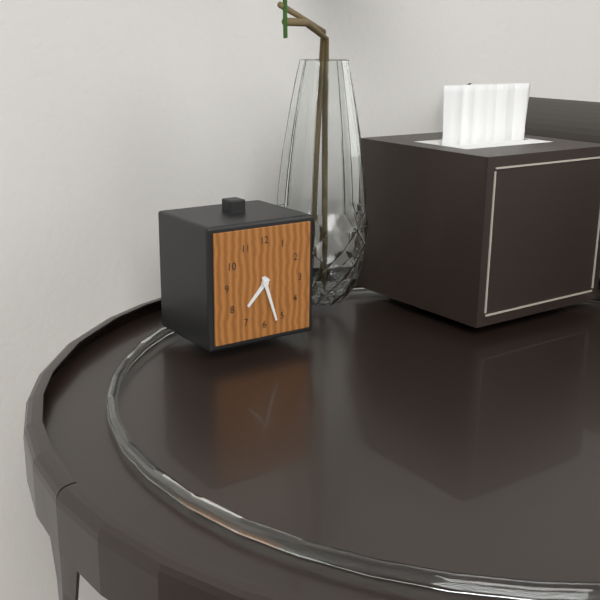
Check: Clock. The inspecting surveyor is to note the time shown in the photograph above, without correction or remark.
7:27
